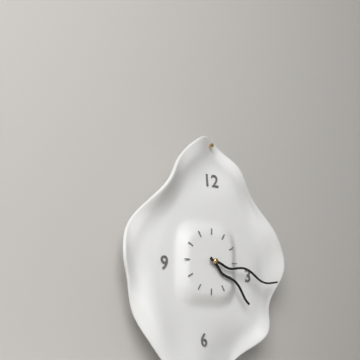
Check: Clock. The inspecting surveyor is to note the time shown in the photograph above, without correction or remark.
4:17
